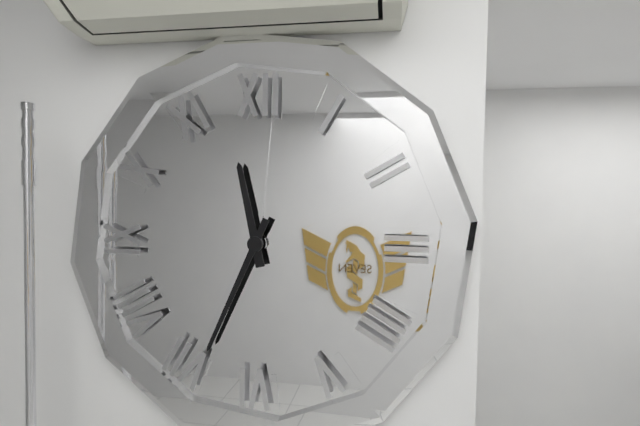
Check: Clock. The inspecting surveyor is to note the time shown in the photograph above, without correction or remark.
11:34
